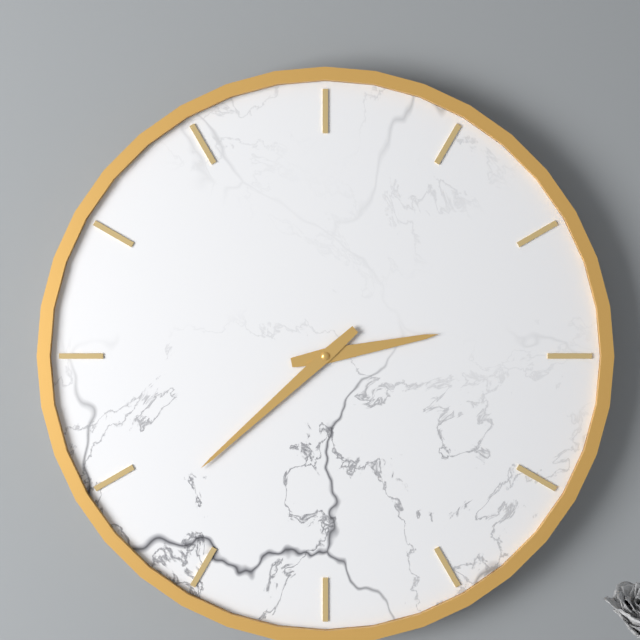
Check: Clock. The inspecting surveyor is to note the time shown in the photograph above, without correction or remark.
2:38
